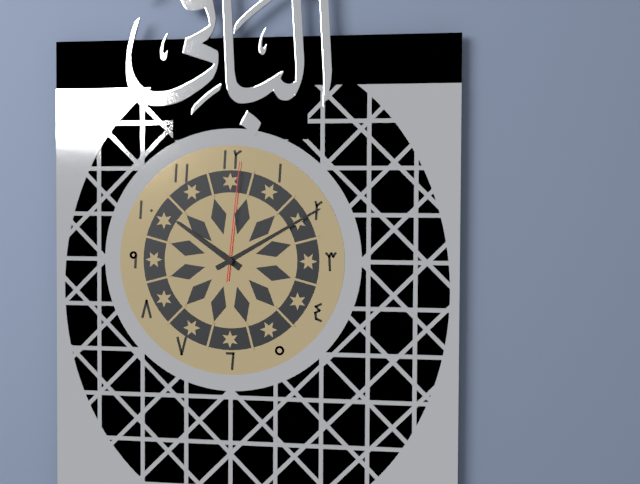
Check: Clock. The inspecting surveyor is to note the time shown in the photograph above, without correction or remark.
10:10:01
